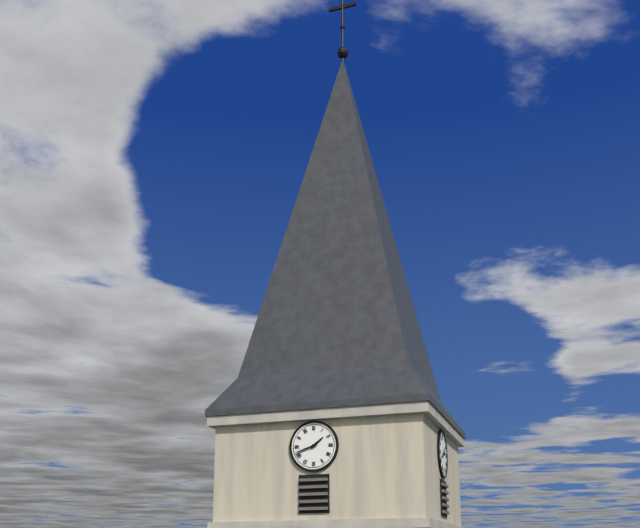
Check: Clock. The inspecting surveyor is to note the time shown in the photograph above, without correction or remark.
1:42
